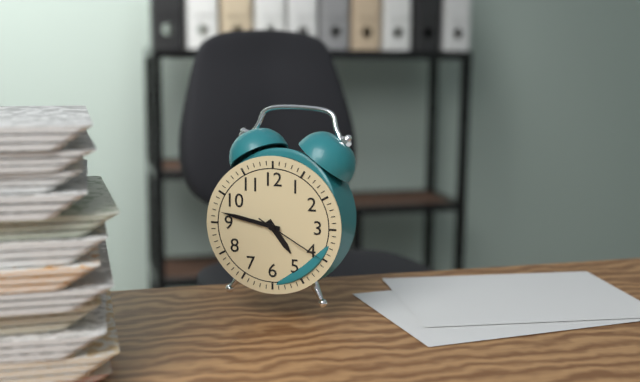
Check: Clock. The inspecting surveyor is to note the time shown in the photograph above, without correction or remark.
4:47:20
